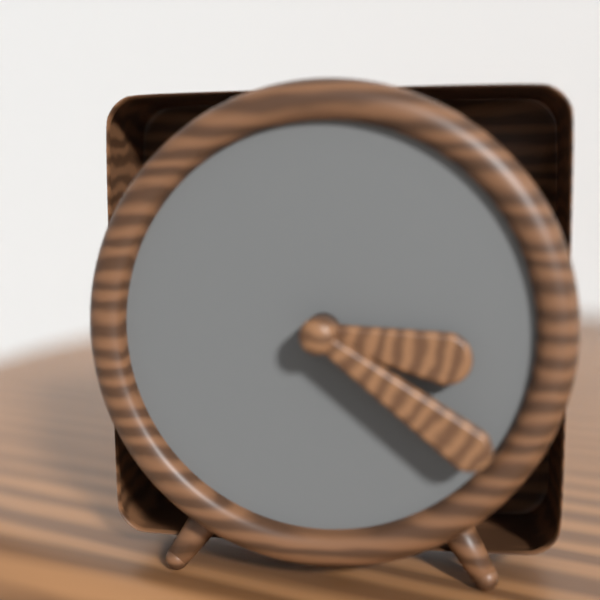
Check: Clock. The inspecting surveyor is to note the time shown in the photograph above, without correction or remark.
3:21
